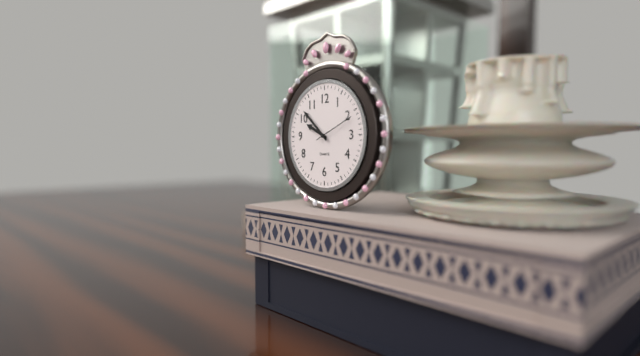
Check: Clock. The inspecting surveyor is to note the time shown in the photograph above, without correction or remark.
9:52
